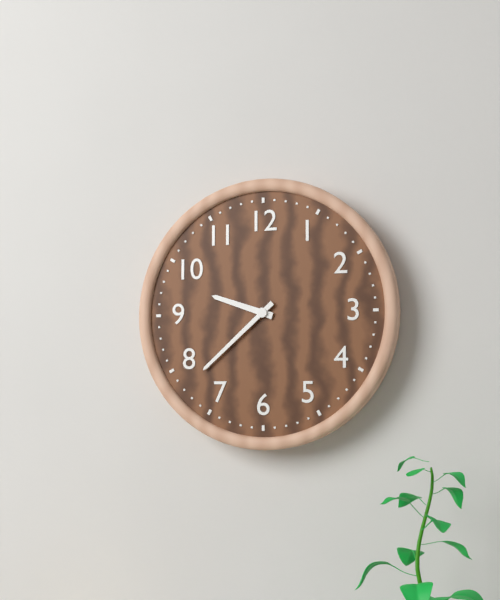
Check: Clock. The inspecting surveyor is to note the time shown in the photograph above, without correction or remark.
9:38
